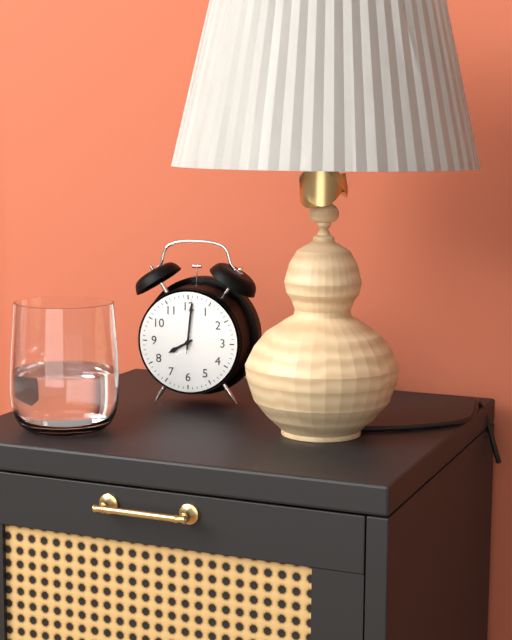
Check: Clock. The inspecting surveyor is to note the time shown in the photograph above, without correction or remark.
8:01:01
